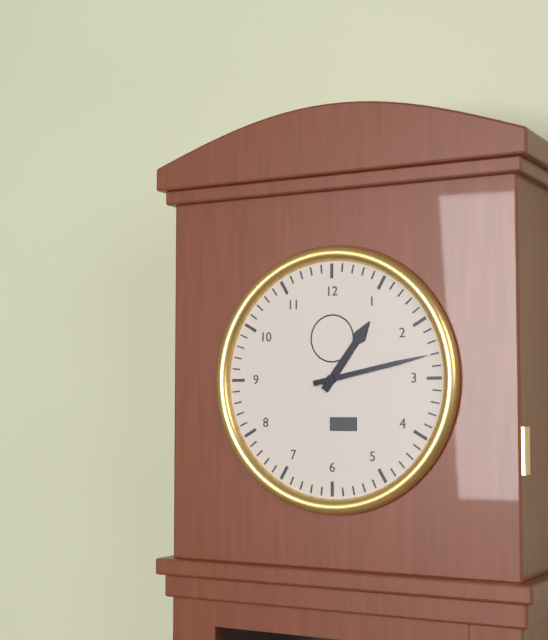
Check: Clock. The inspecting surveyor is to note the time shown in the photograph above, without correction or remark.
1:13
